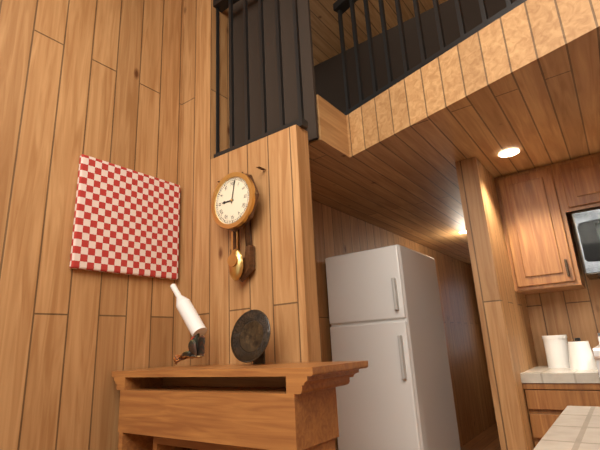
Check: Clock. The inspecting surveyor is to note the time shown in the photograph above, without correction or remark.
9:02
